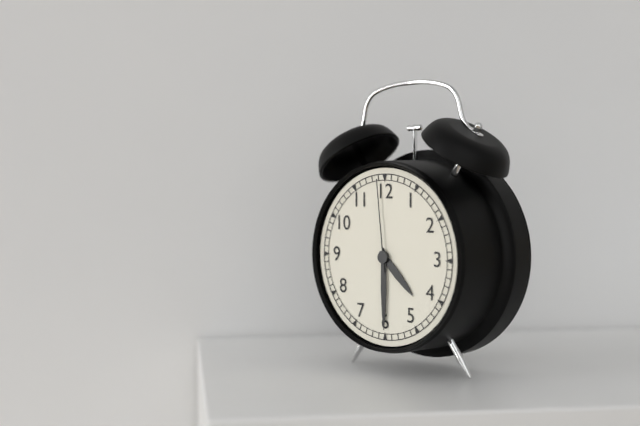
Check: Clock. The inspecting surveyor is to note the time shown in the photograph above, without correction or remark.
4:30:59
